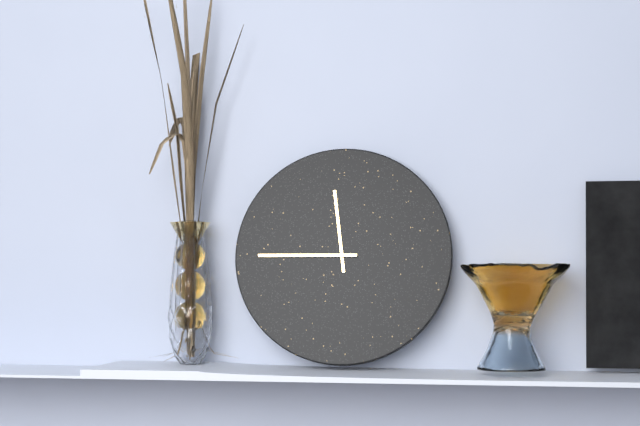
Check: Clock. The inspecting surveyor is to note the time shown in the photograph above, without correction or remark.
11:45
